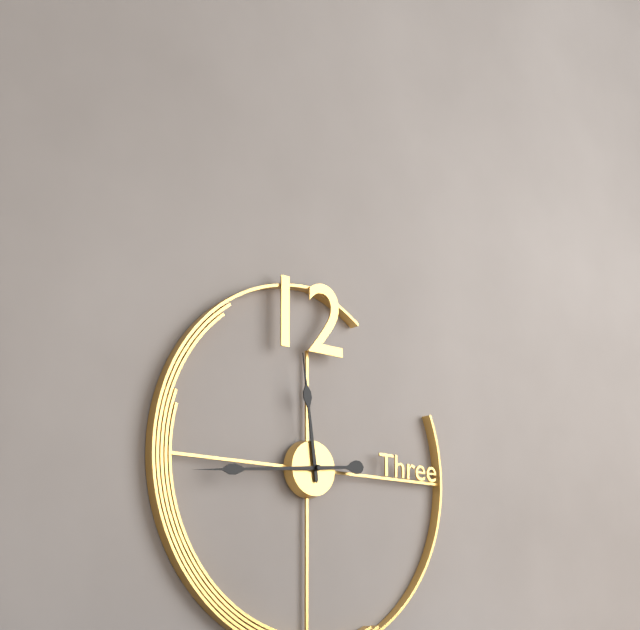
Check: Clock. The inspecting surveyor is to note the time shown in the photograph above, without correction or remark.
11:44
